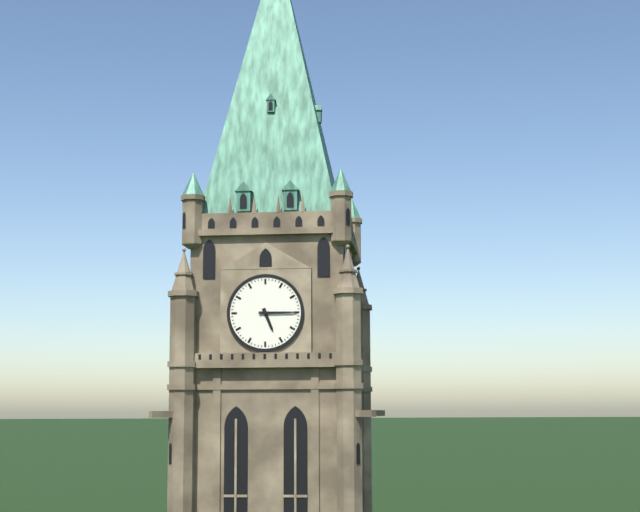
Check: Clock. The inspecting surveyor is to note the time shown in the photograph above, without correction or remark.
5:15
